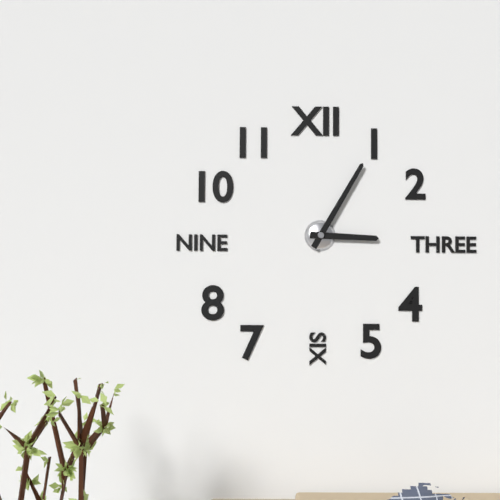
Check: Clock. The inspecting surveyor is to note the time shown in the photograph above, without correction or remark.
3:05
